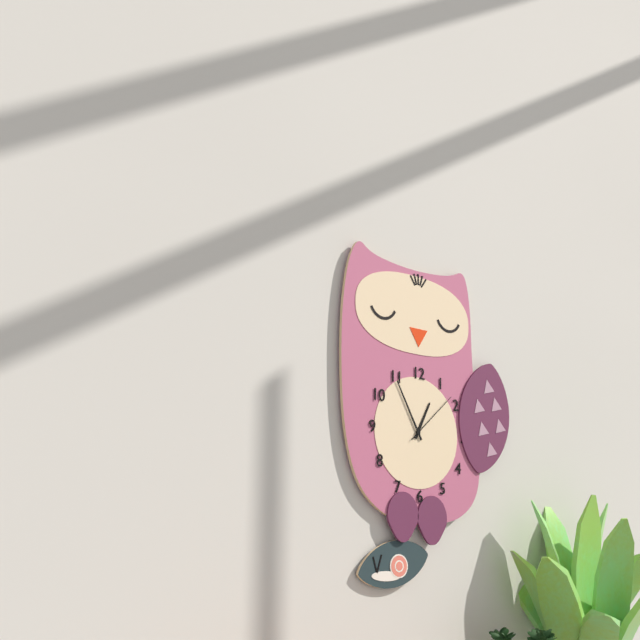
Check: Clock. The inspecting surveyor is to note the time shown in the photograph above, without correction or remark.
12:55:08
